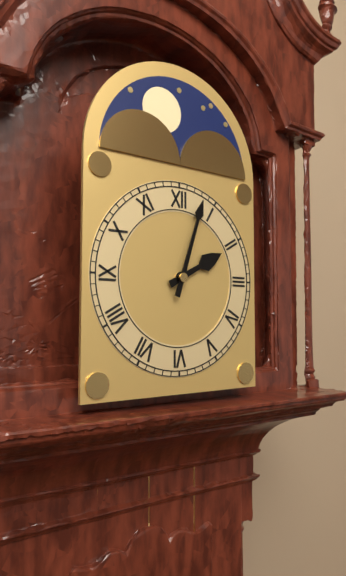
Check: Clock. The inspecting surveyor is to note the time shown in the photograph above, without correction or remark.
2:03
